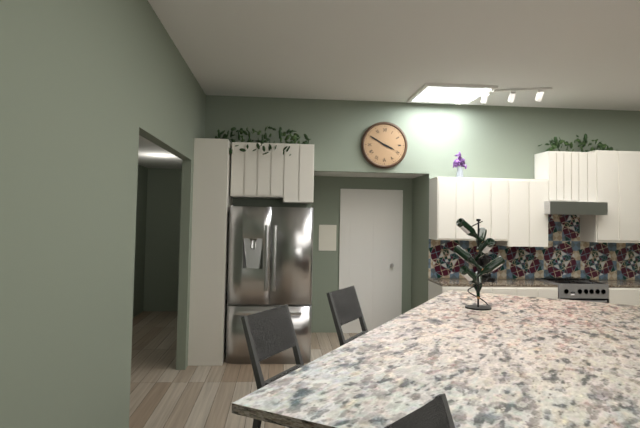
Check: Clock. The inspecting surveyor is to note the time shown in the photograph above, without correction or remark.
3:50
